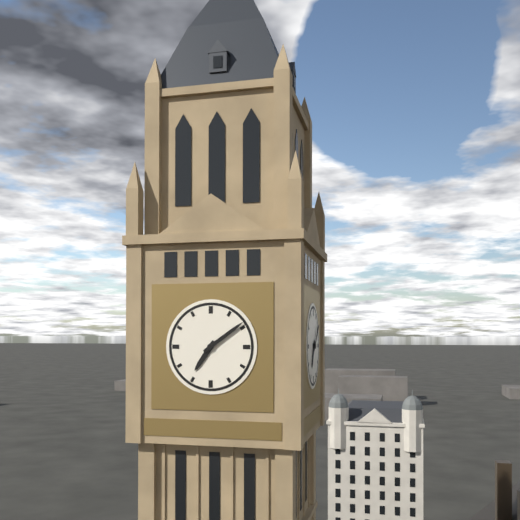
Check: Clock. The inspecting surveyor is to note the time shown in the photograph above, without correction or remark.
7:09
